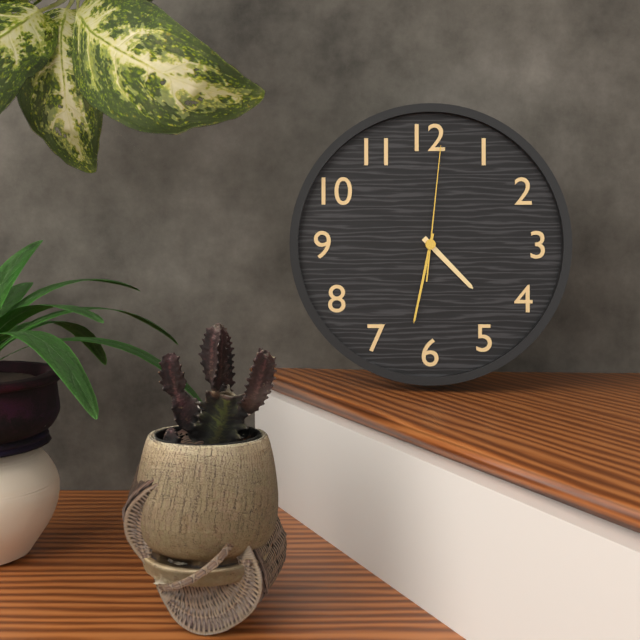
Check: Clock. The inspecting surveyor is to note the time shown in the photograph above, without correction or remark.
4:32:01
